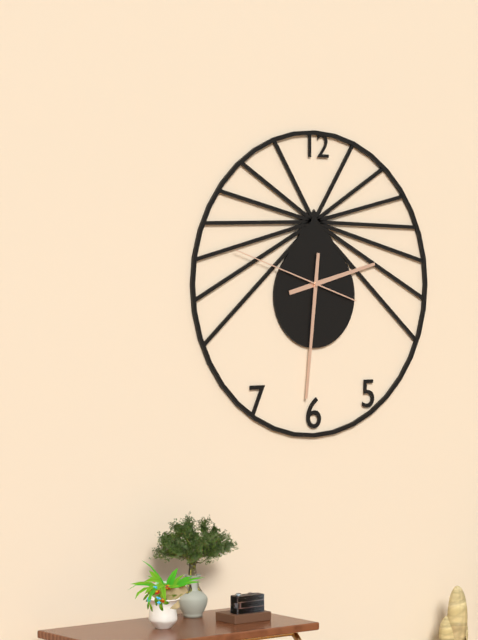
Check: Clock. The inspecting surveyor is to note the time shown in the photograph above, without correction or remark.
2:31:48
